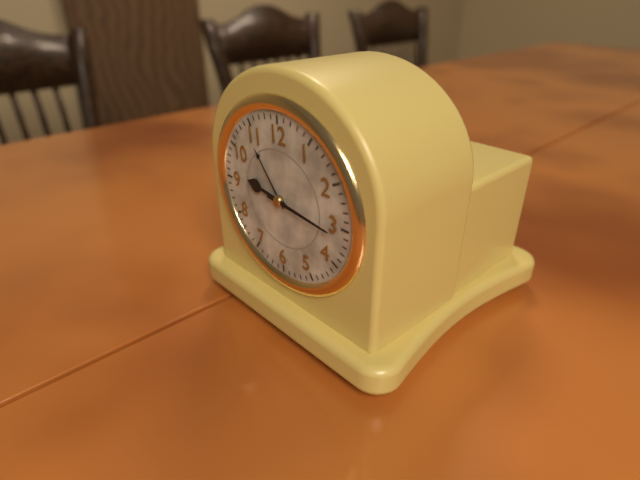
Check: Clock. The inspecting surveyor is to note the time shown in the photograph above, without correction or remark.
9:16
